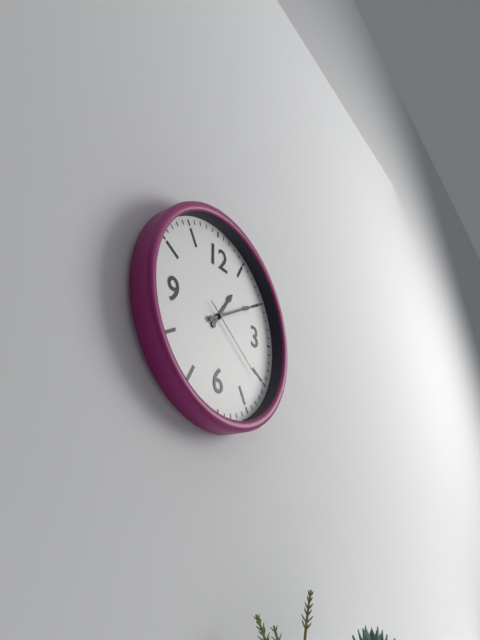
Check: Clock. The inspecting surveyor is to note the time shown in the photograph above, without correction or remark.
1:10:21
